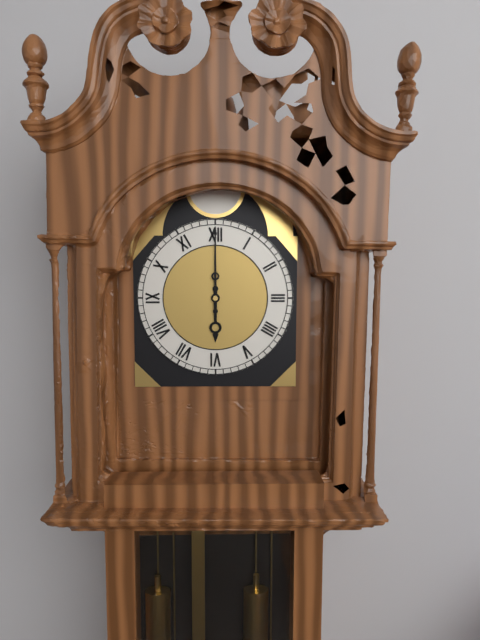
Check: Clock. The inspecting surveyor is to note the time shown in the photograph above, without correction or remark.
6:00
